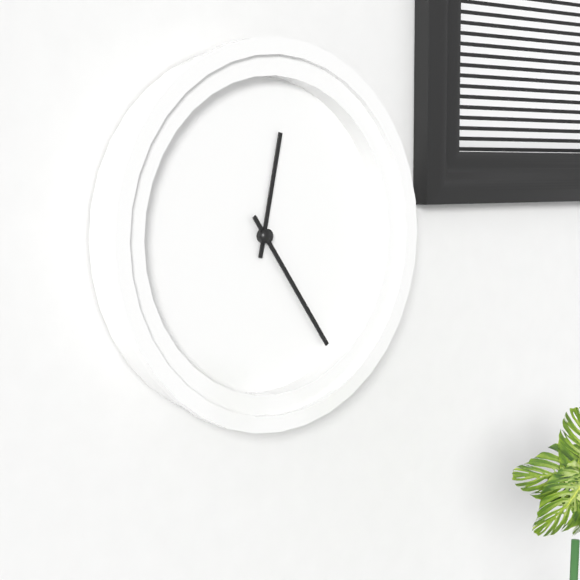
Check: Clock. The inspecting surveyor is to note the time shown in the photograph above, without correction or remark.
12:24
